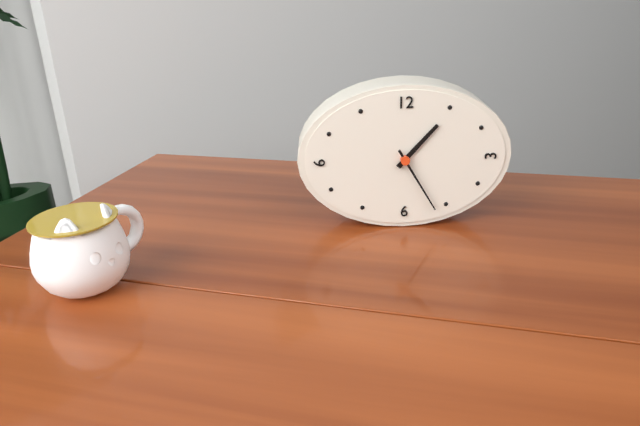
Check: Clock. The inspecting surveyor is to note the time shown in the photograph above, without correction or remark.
1:25
